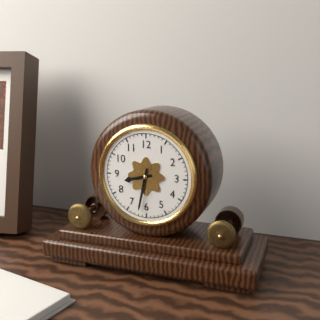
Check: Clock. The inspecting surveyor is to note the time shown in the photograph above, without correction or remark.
8:32
